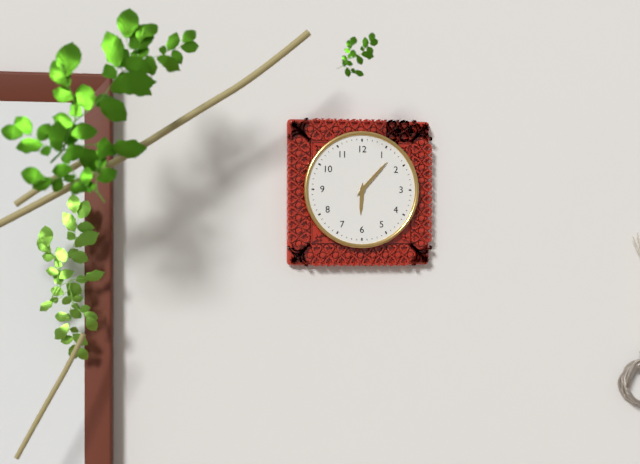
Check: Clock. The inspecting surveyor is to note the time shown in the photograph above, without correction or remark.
6:07
